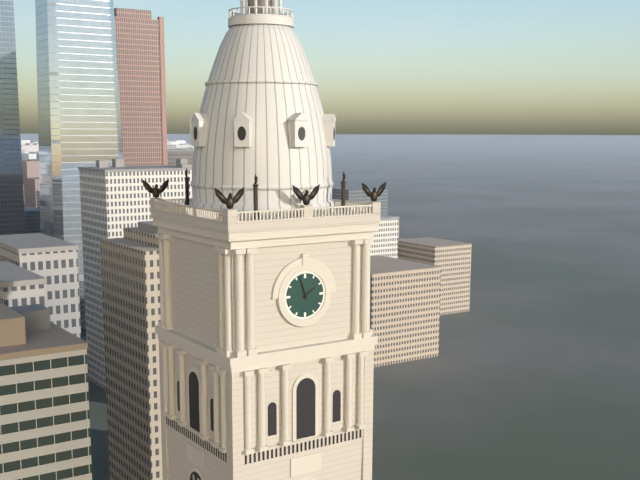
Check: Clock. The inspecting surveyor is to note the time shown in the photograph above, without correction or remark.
1:57
